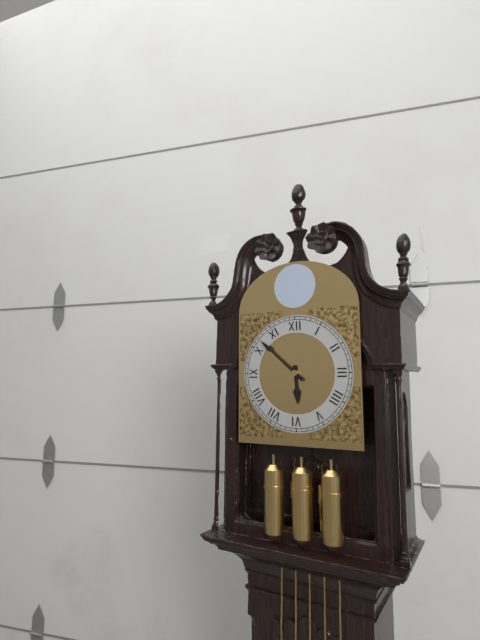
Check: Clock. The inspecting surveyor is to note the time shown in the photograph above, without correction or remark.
5:52
